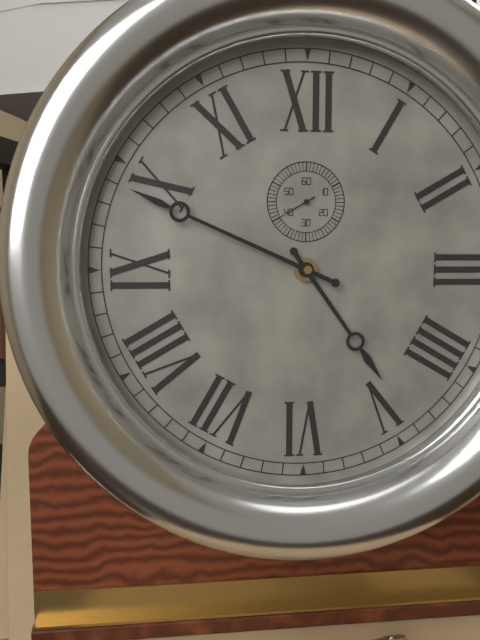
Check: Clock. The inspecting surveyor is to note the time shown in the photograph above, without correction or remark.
4:49
